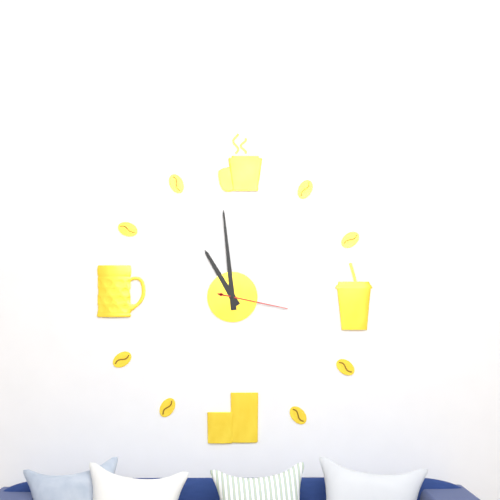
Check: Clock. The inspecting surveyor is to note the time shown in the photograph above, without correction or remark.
10:59:17
